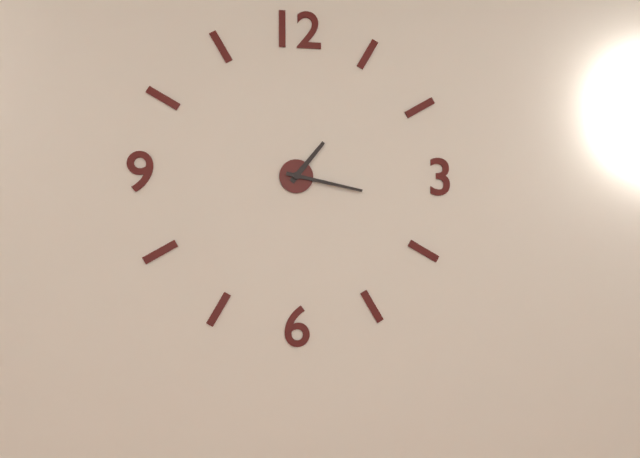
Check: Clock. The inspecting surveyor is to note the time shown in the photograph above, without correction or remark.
1:17
